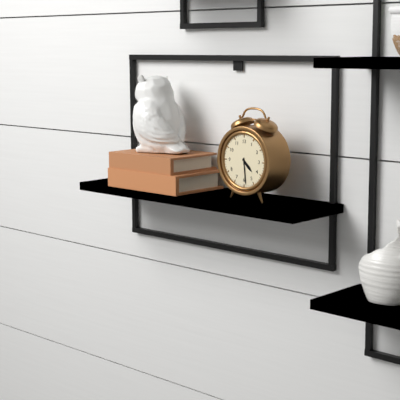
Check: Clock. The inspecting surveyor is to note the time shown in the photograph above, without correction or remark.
4:29
